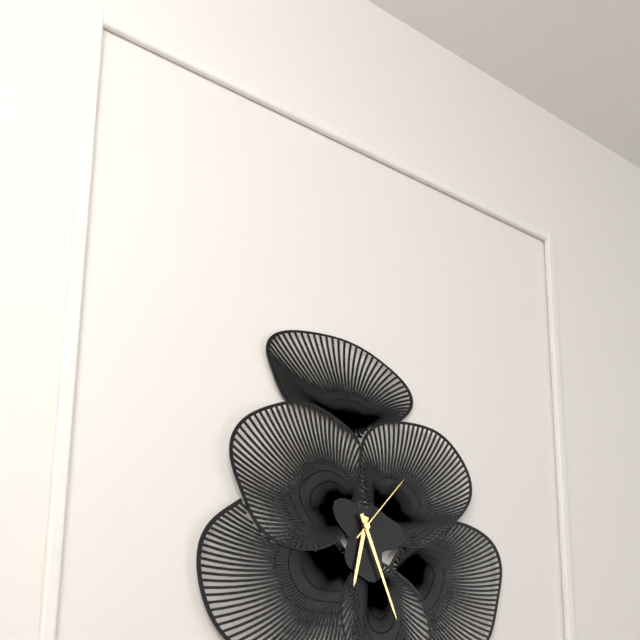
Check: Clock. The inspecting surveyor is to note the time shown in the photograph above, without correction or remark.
6:26:07
